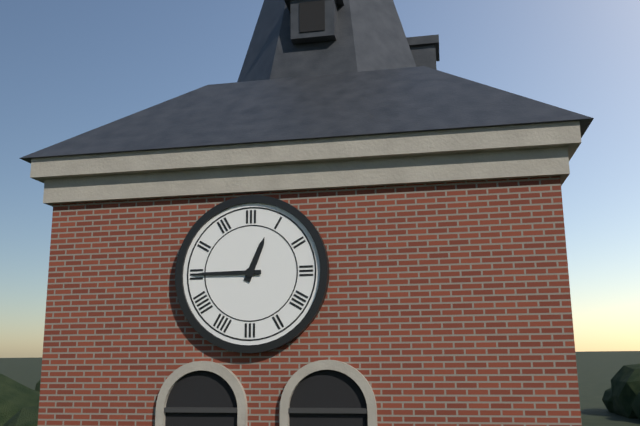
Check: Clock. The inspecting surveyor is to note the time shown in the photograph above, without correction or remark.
12:45
